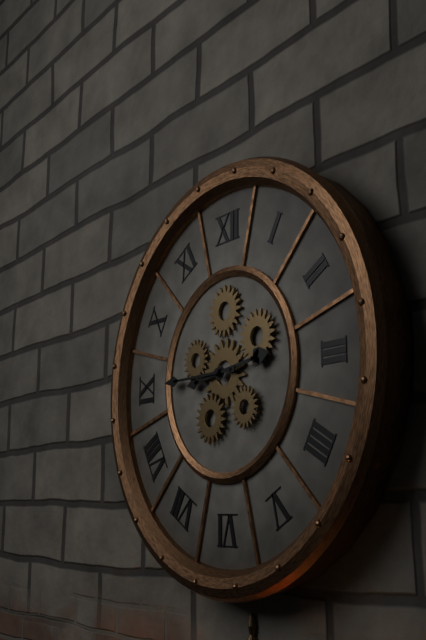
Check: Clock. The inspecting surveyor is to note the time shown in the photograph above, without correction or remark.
2:45
